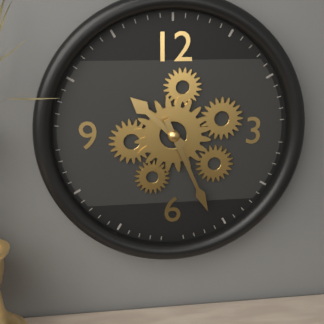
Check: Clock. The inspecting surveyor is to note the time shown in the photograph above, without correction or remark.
10:26
